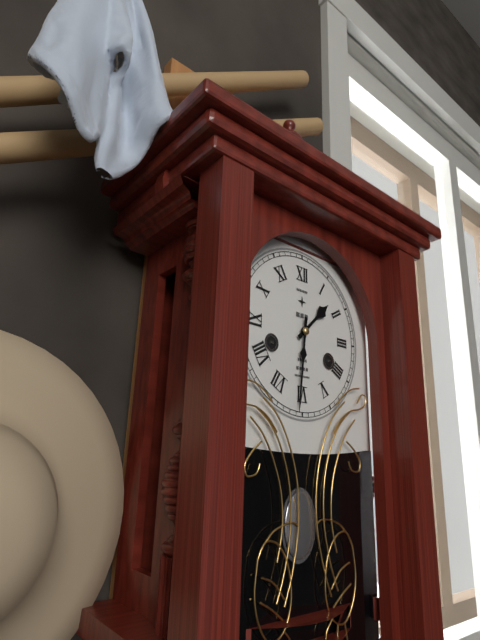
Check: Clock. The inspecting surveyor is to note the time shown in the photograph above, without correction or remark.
1:31
